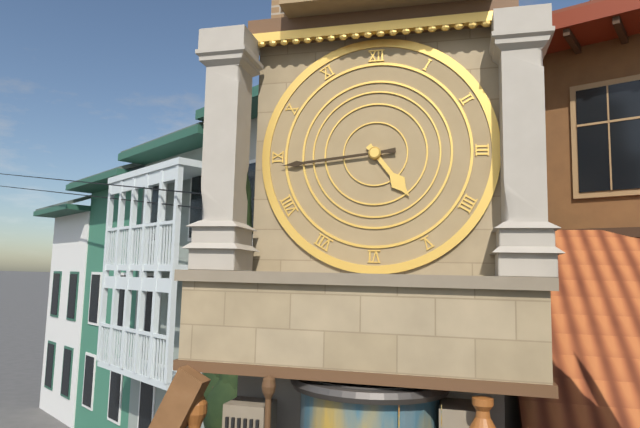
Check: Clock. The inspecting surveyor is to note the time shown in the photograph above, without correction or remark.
4:44
